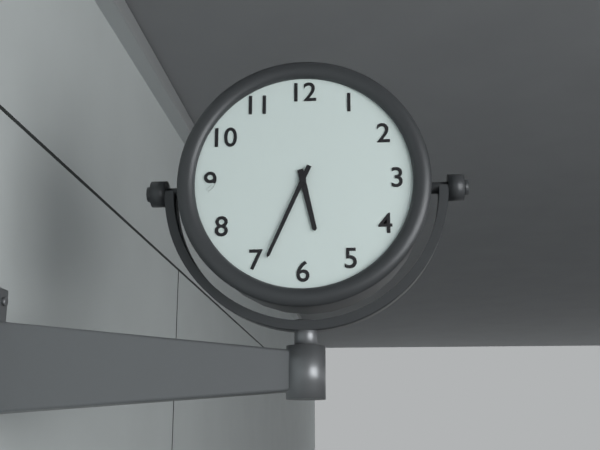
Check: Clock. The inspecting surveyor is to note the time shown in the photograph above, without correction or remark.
5:34
